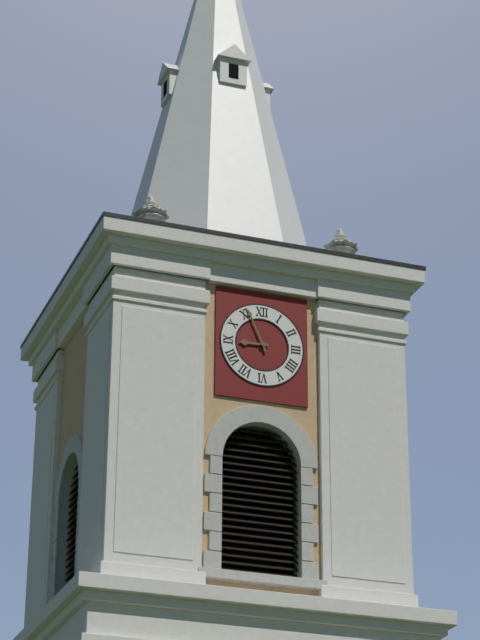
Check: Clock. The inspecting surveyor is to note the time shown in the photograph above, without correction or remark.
8:56
